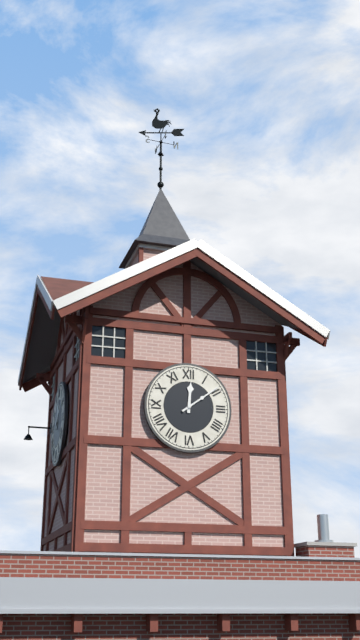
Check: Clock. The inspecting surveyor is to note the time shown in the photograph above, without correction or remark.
12:09
